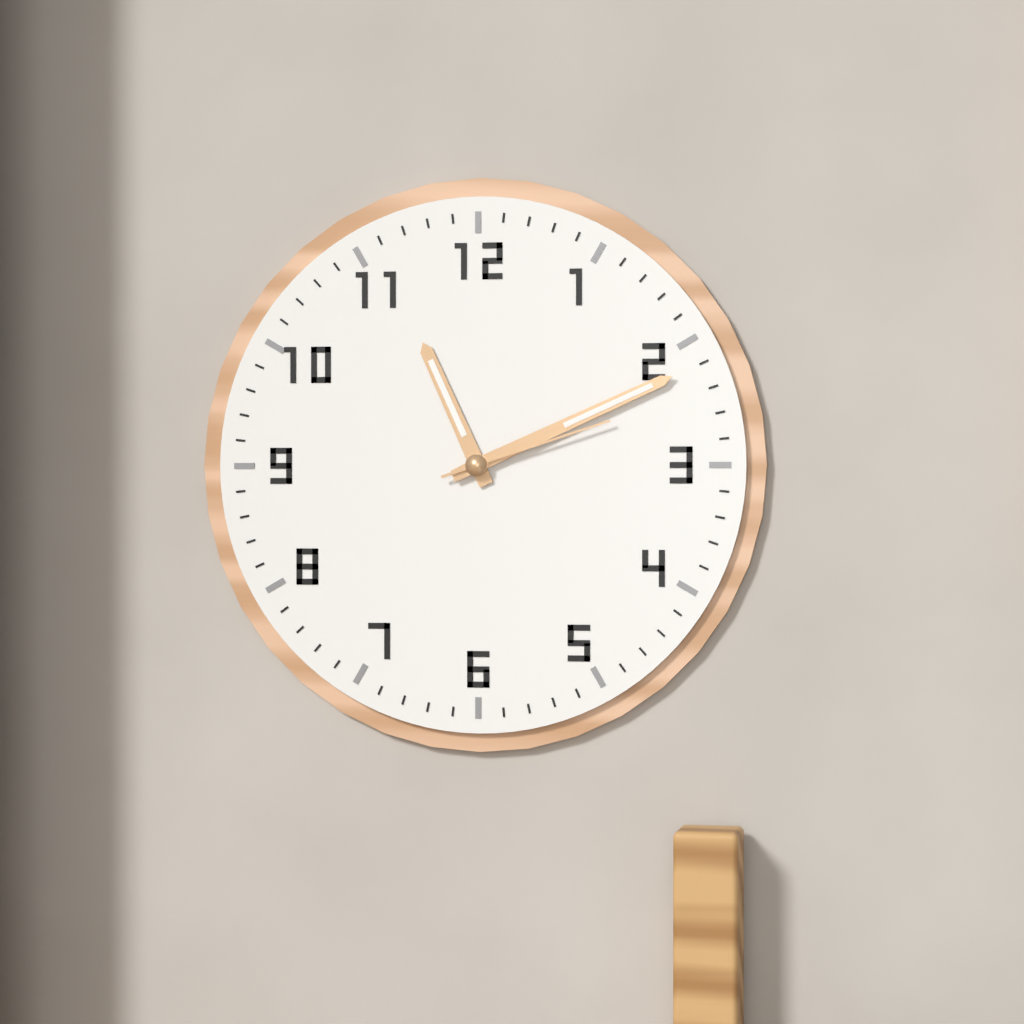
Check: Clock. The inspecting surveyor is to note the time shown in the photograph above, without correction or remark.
11:11:12
